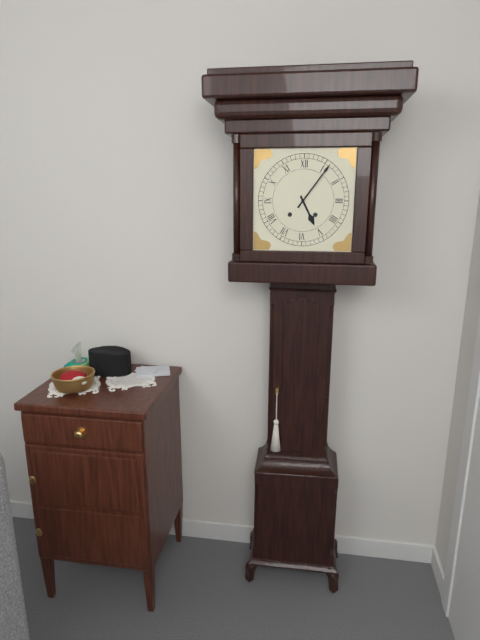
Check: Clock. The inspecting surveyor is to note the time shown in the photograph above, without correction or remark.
5:06
